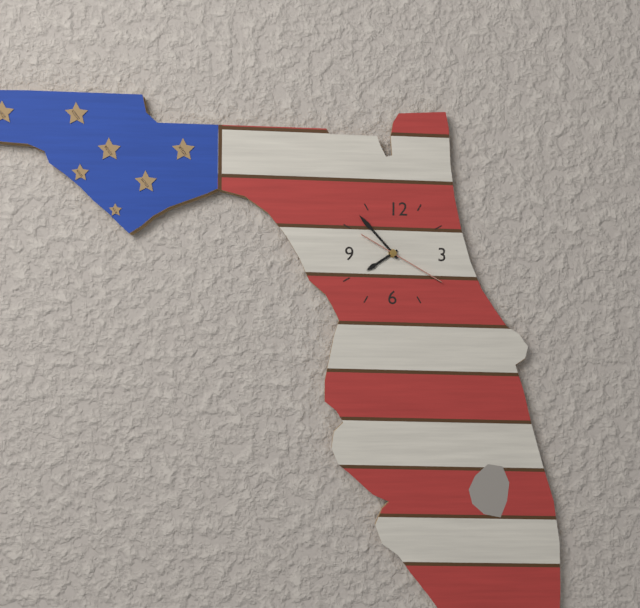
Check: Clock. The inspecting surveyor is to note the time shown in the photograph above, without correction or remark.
7:53:20
